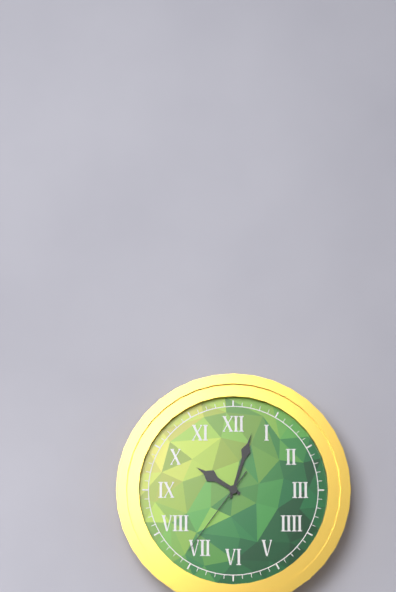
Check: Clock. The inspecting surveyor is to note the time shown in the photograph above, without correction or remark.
10:03:36
